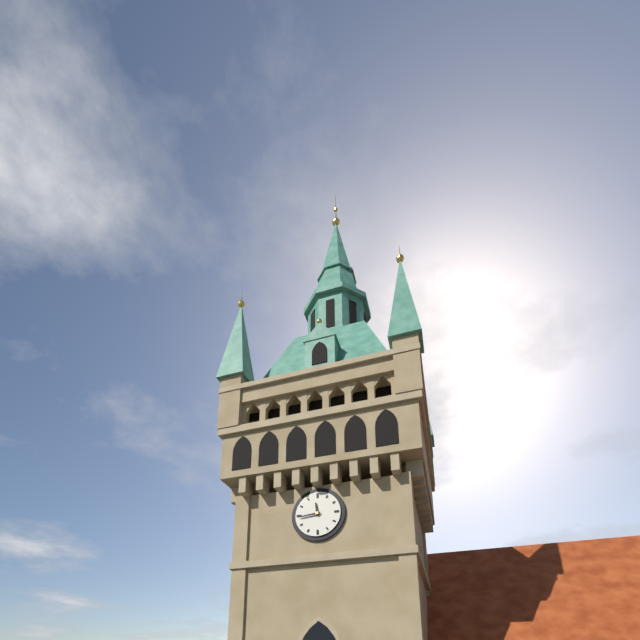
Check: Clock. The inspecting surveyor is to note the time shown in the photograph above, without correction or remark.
11:44
